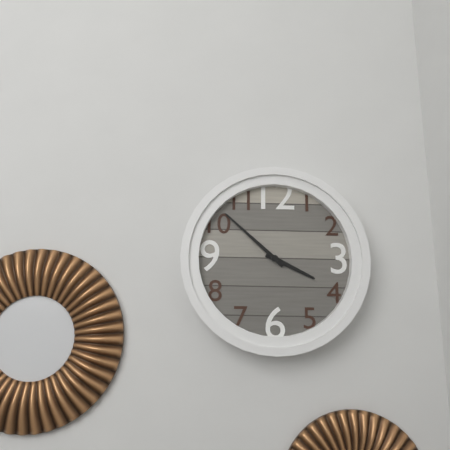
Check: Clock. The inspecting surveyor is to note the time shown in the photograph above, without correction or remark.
3:52
